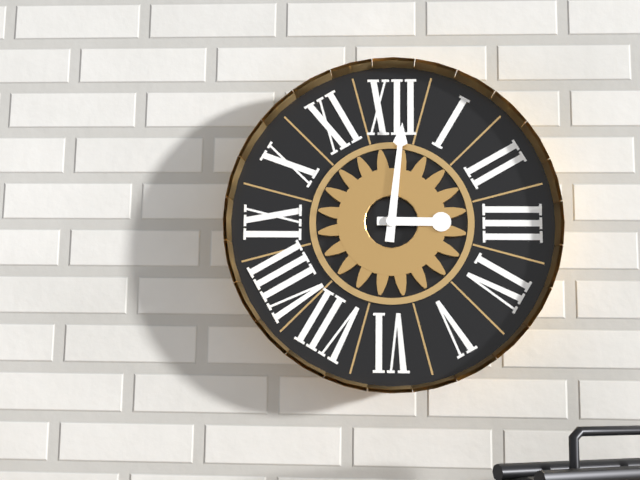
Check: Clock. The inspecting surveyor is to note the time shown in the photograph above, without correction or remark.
3:01
